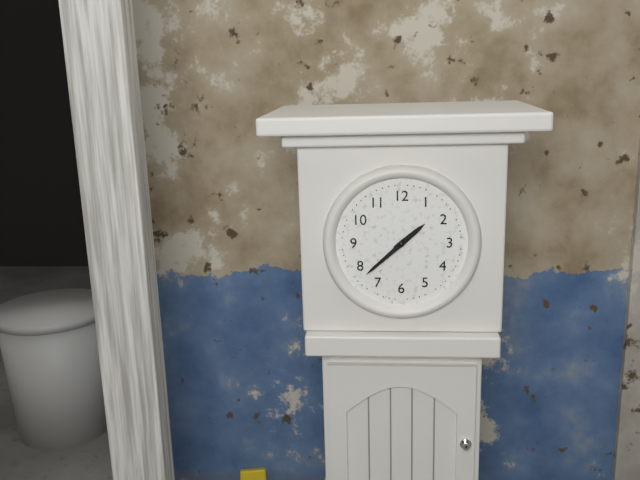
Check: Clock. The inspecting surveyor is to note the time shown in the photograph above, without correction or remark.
1:38
